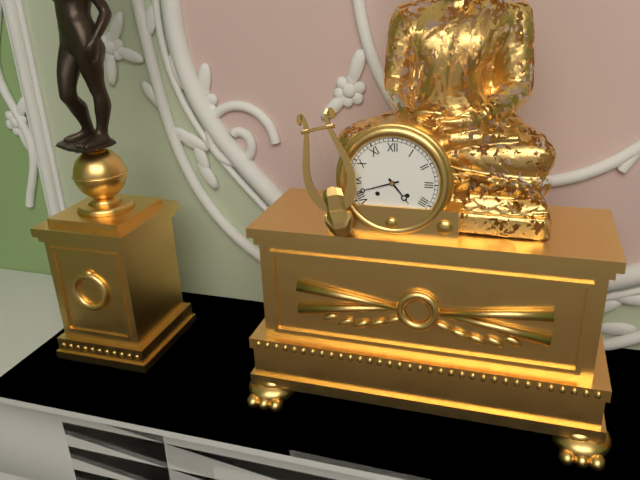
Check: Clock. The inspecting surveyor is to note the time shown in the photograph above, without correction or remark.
4:42
